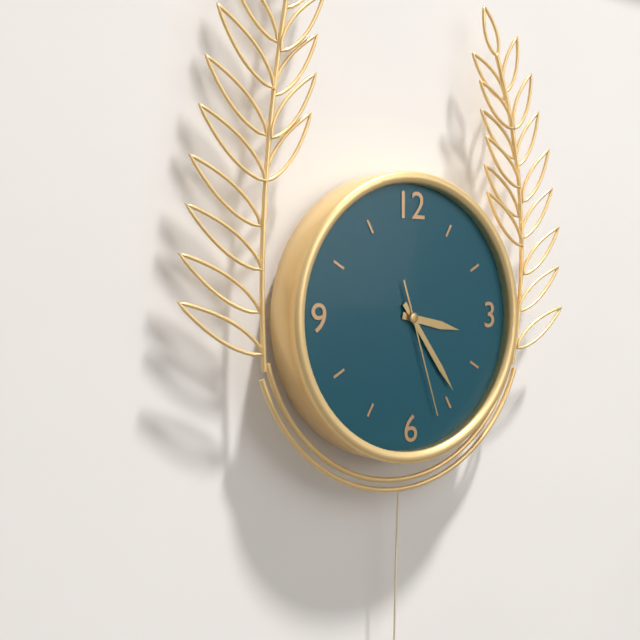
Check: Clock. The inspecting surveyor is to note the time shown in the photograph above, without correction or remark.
3:24:27
